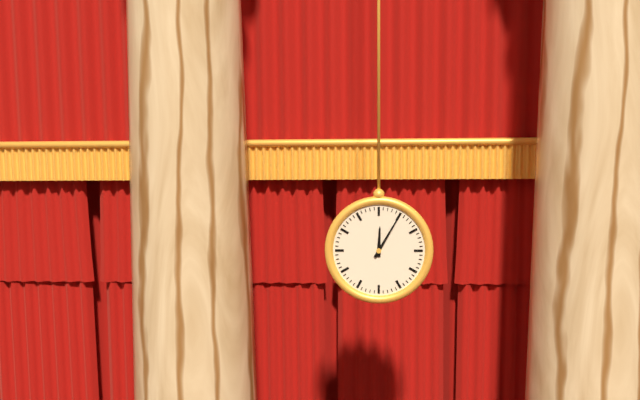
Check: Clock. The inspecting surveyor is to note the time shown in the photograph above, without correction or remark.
12:05
